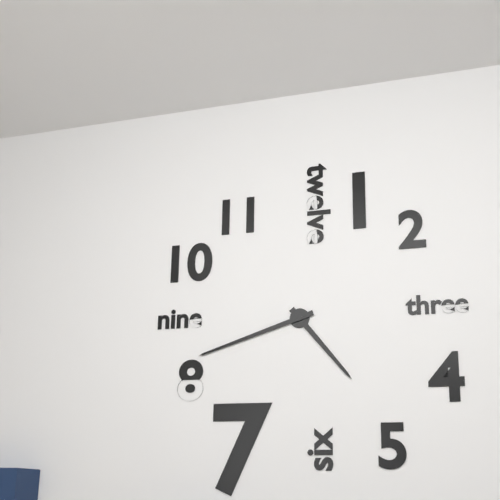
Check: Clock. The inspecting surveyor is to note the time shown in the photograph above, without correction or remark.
4:42
